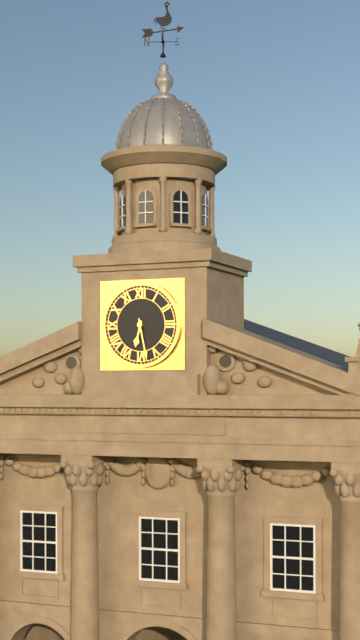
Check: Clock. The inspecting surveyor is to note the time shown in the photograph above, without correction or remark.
6:28
